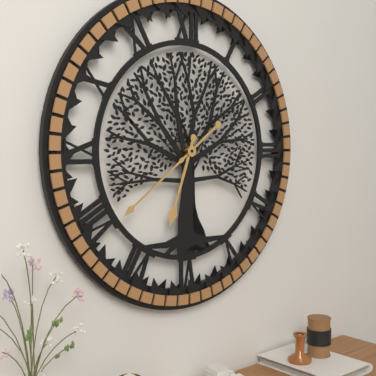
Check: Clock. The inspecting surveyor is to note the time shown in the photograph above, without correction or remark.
6:39
